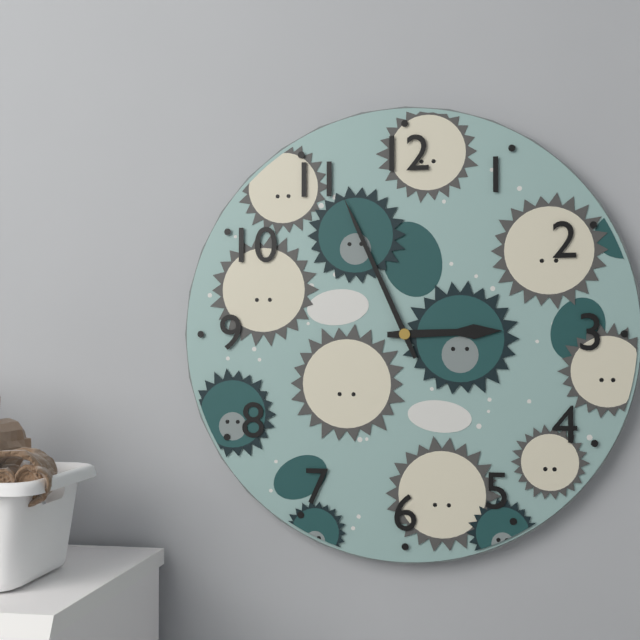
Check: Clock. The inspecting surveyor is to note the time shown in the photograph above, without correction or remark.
2:56
